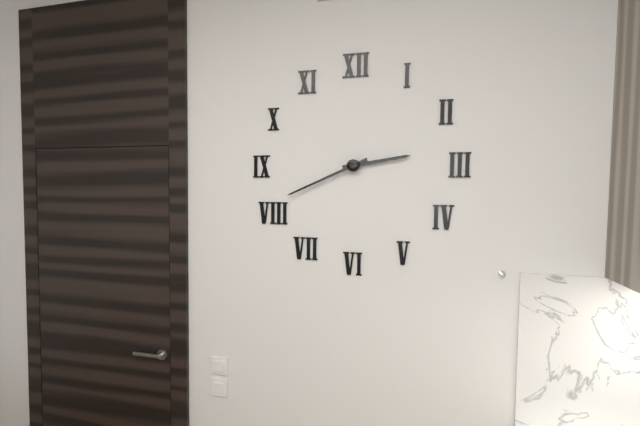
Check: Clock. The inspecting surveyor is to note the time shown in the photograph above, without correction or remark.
2:41
